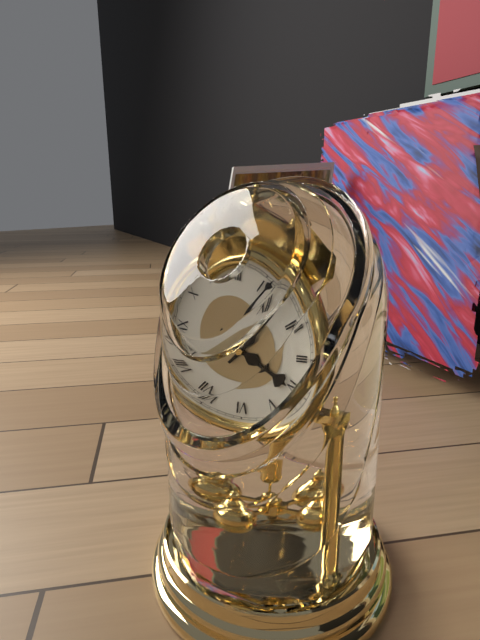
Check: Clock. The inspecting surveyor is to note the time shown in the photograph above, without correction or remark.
4:06
